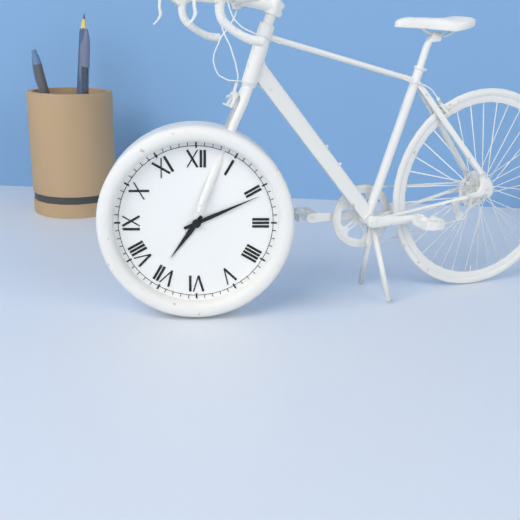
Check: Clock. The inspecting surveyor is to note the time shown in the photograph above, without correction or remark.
7:11
